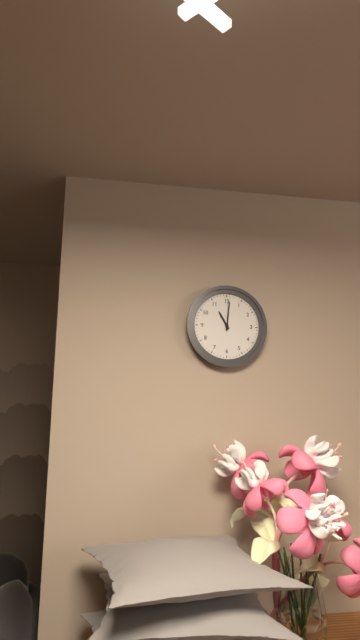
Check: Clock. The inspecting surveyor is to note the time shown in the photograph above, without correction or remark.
11:01
